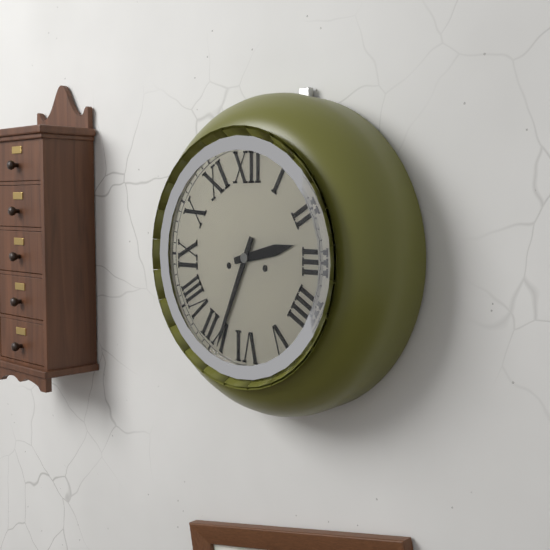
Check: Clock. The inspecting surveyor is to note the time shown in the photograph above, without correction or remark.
2:34
